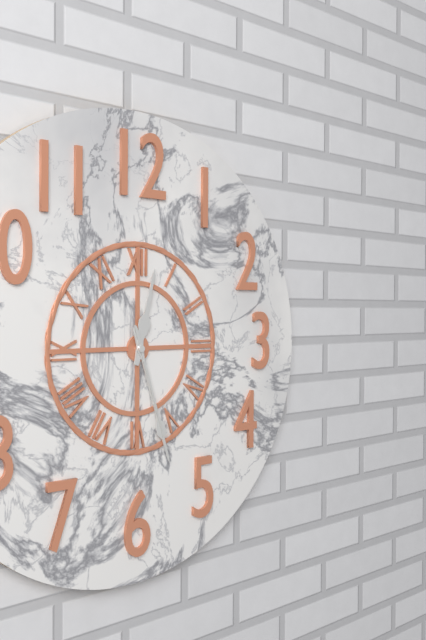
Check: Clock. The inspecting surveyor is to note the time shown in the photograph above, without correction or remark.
12:27:27
